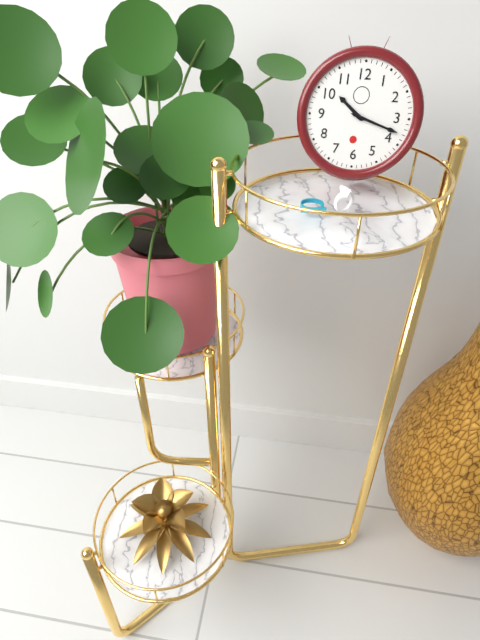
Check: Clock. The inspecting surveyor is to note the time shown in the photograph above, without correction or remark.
10:18
